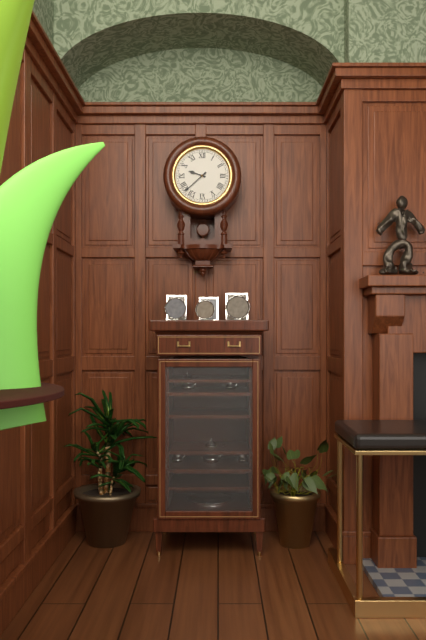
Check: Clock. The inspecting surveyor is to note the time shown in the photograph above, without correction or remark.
9:38
